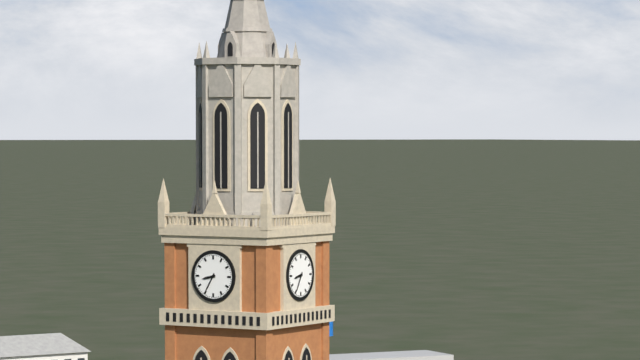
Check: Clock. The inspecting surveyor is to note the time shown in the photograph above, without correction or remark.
8:35
